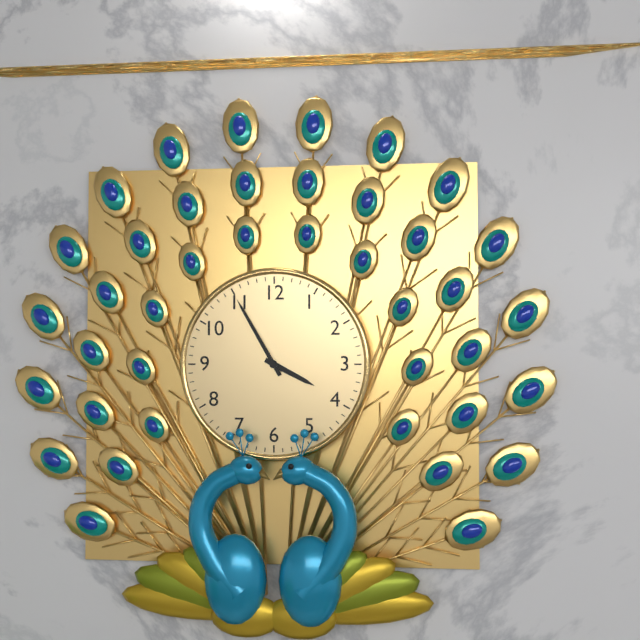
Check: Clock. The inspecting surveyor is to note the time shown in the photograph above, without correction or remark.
3:55
